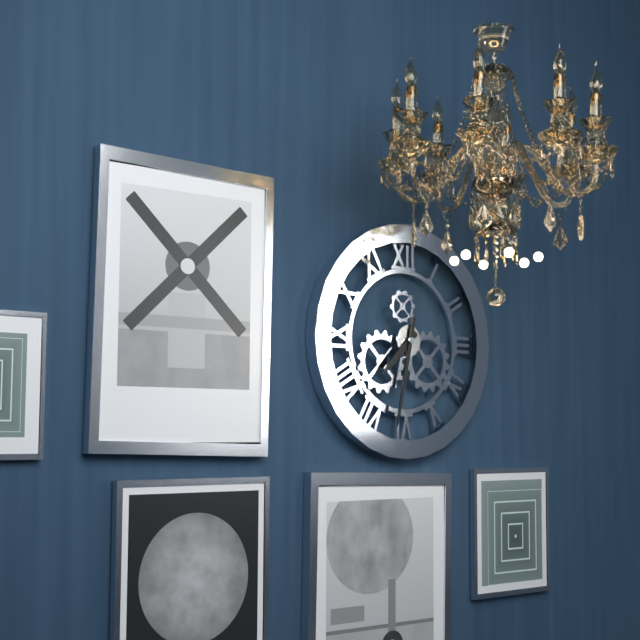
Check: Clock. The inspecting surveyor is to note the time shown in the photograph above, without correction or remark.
7:32
